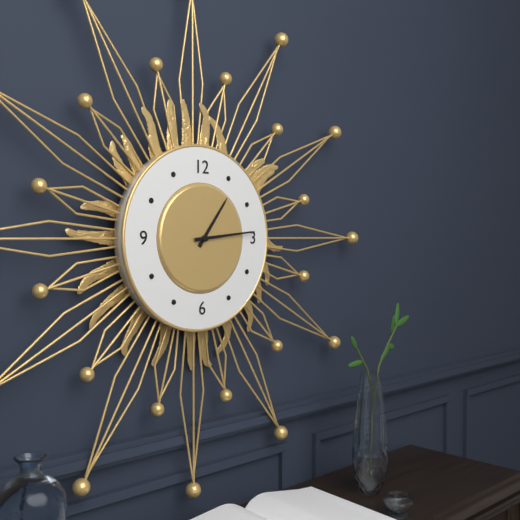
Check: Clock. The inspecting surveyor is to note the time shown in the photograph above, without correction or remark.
1:14
